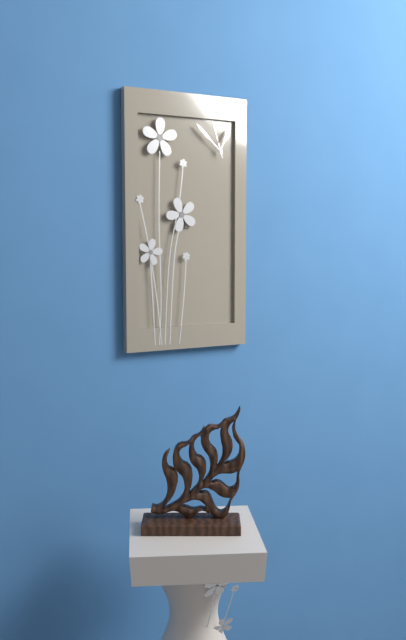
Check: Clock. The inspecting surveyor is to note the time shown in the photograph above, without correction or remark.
12:52
